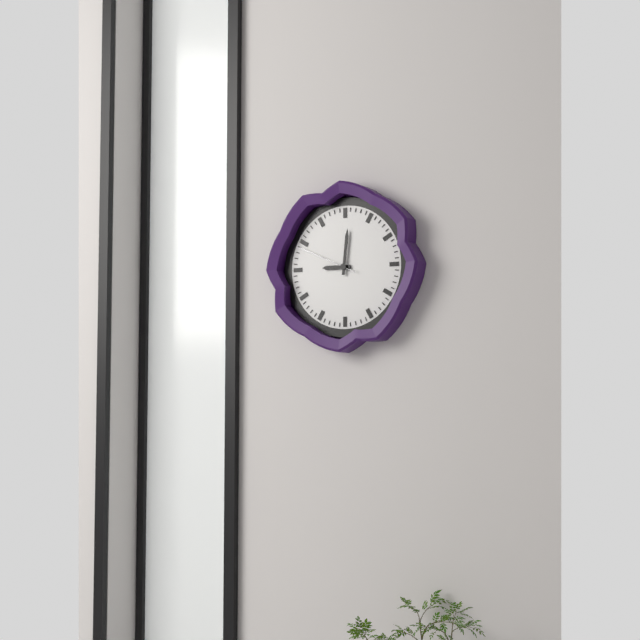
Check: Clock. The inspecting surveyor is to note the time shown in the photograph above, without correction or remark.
9:01:49
